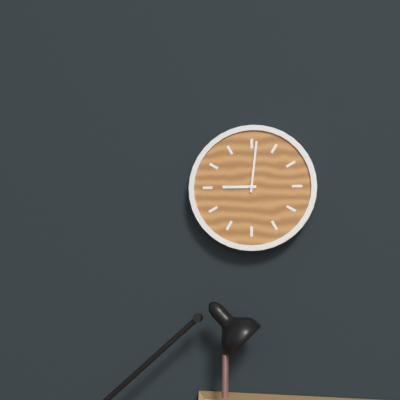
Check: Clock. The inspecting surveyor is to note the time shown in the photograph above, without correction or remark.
9:01
